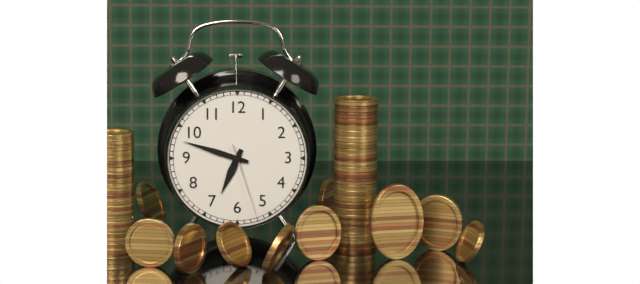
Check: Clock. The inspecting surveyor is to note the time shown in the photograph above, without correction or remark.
6:48:27
